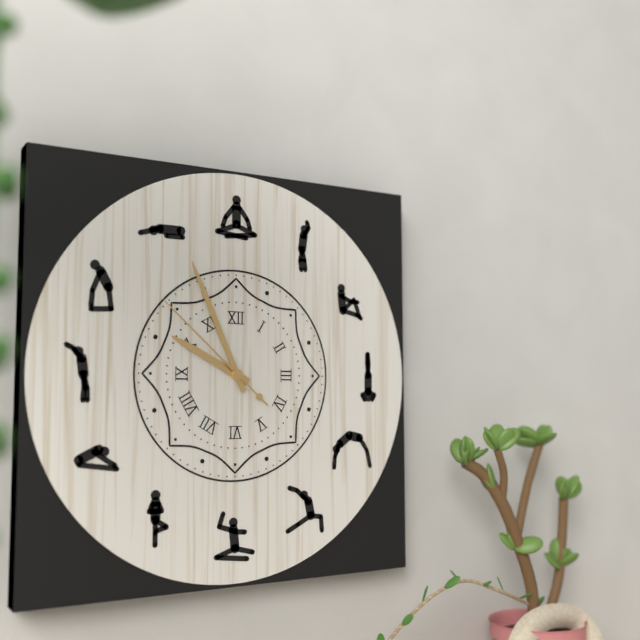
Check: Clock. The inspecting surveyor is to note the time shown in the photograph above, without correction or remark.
9:56:52
